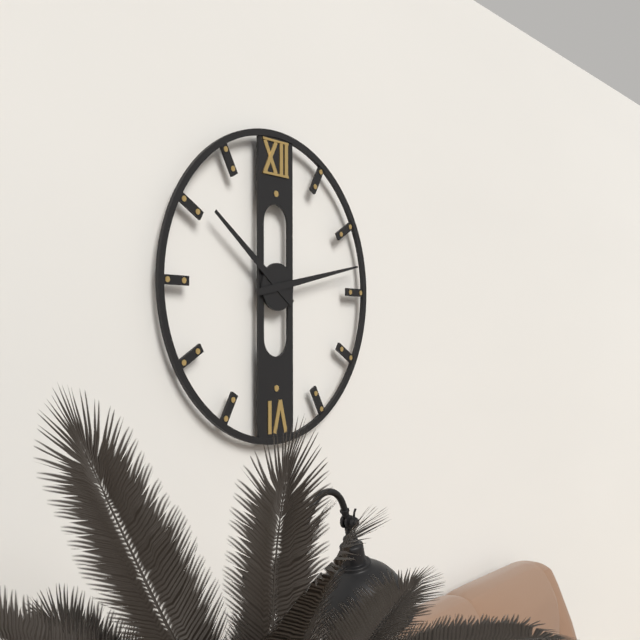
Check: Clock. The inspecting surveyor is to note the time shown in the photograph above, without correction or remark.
10:13
